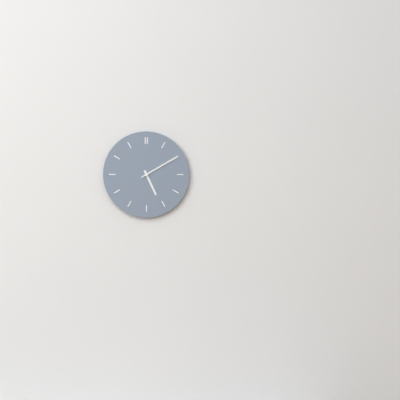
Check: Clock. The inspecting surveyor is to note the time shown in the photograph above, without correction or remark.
5:10
